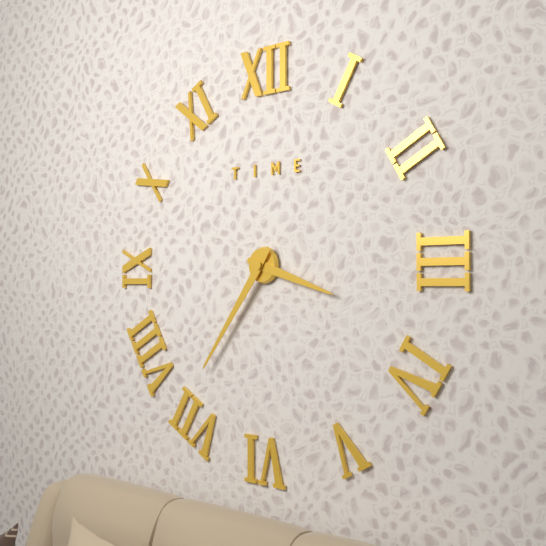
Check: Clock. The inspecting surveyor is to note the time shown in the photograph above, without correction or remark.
3:36
